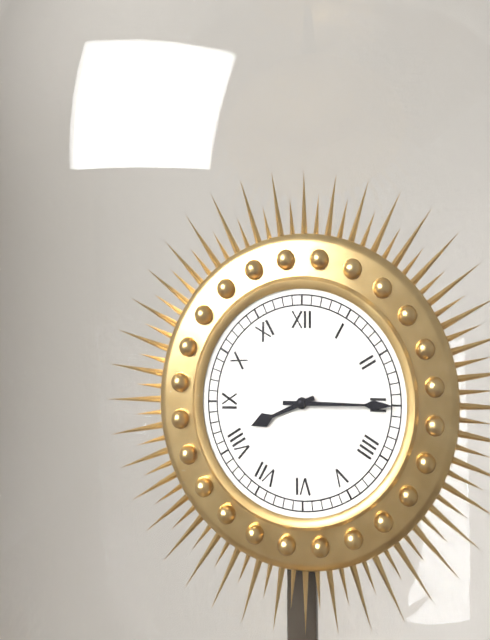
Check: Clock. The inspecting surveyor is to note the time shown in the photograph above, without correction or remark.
8:15
